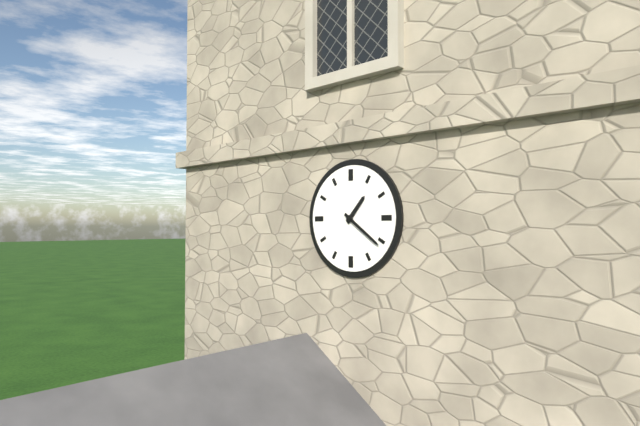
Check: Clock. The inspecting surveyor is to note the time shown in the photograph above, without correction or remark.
1:21
